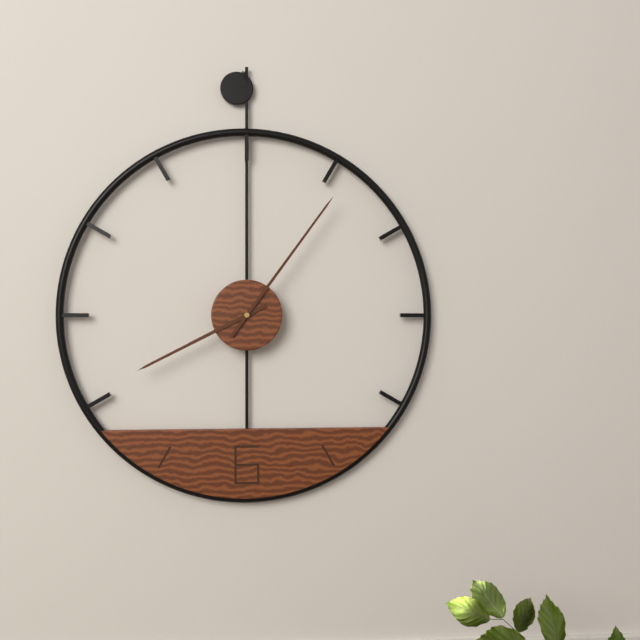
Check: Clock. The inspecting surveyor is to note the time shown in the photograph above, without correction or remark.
8:06
